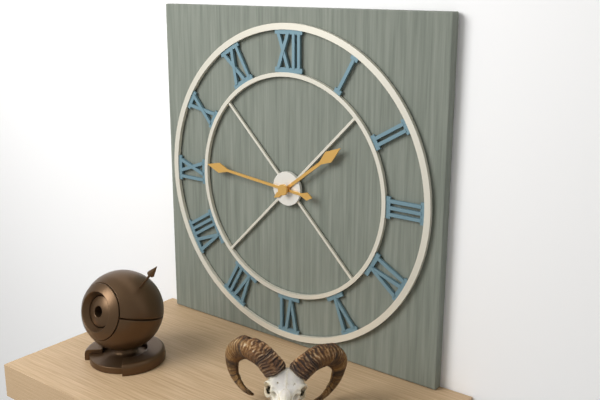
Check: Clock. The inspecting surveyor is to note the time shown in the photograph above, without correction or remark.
1:46
